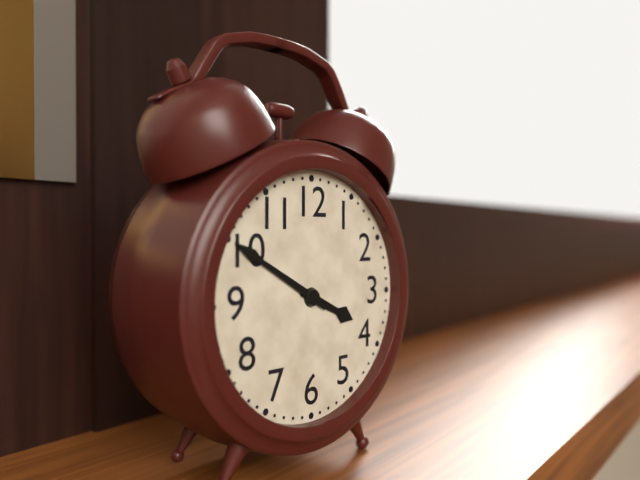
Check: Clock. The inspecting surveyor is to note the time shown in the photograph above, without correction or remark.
3:50
